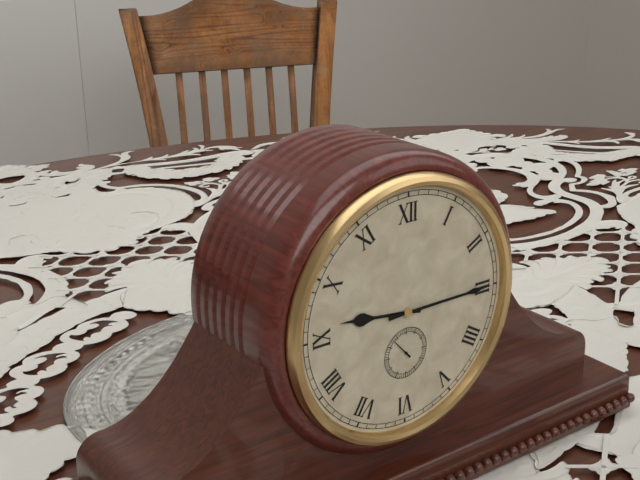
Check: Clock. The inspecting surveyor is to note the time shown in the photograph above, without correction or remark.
9:15:53
